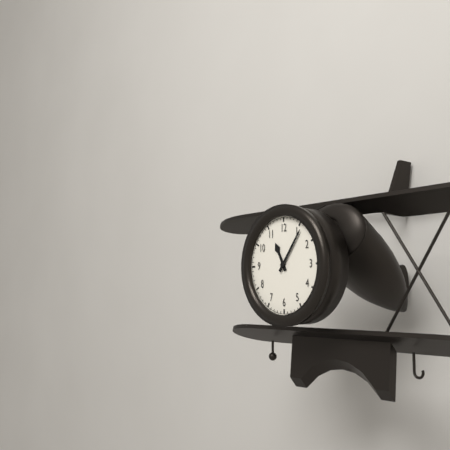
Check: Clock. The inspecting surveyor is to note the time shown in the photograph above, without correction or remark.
11:06
